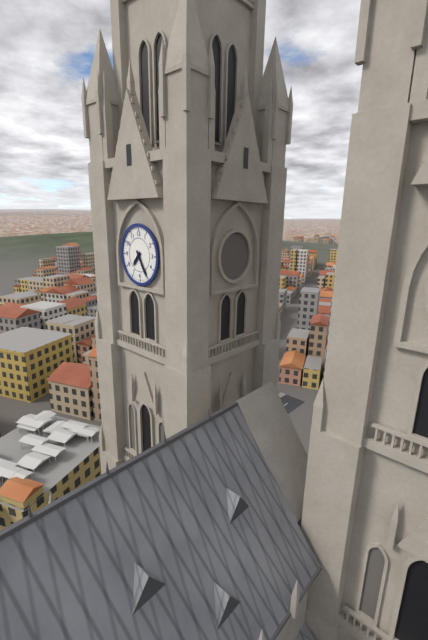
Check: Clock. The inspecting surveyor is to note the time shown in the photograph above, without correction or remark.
7:25
